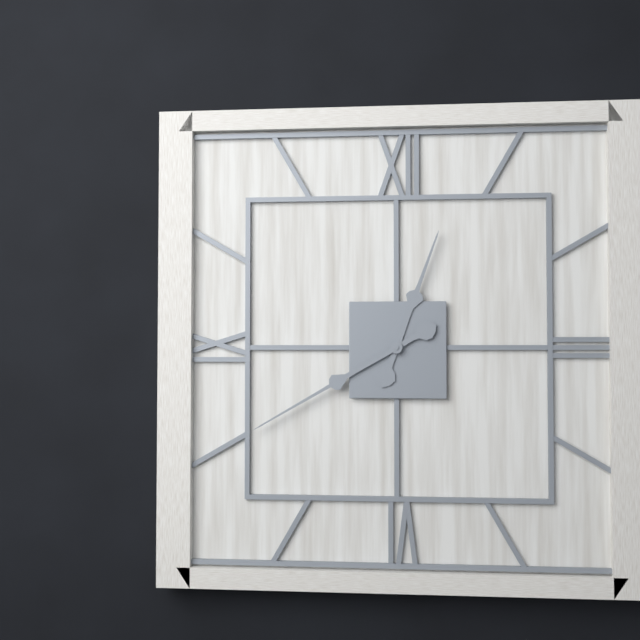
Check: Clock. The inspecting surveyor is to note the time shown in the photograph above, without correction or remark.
12:40
